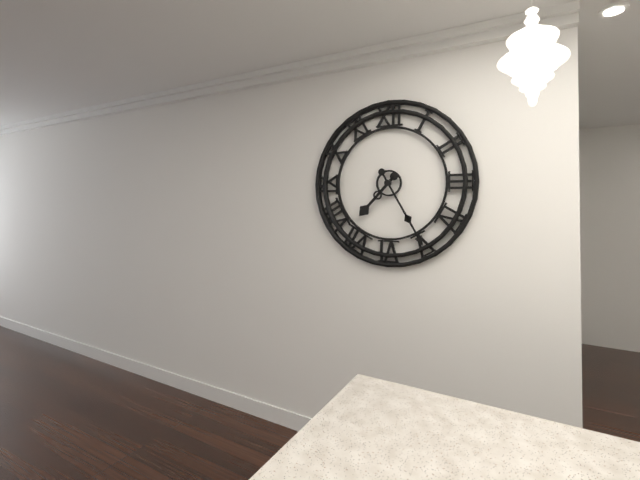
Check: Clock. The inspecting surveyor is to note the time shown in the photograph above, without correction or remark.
7:25
